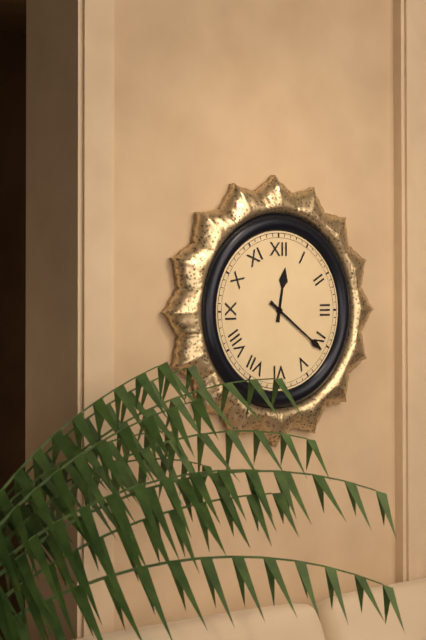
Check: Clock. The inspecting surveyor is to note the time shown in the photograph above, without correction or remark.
12:21
